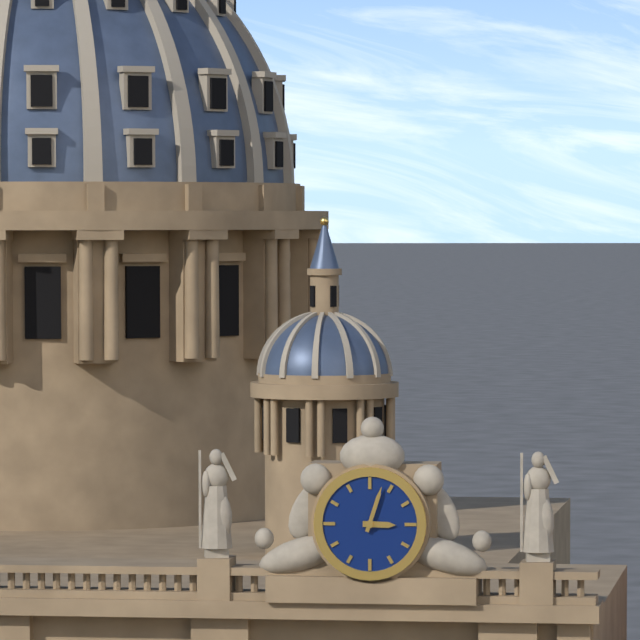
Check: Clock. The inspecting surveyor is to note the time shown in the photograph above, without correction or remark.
3:03
